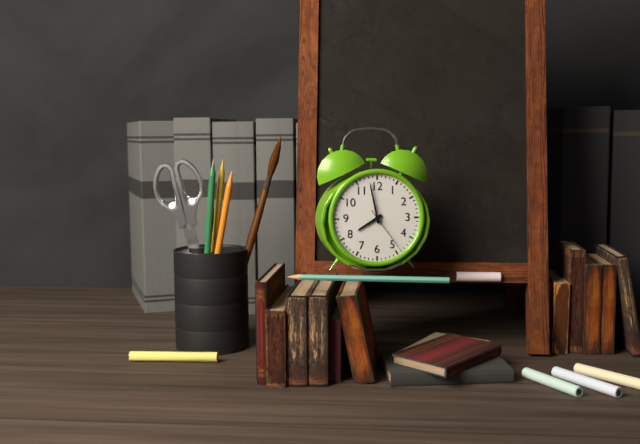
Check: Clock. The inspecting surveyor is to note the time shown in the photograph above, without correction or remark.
7:58:24
